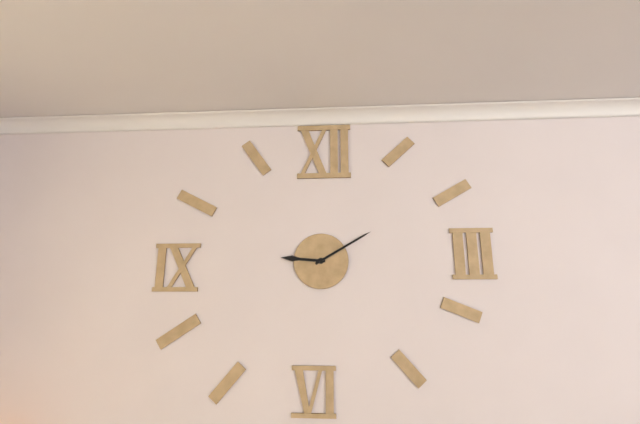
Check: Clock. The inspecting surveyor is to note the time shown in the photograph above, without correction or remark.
9:10
